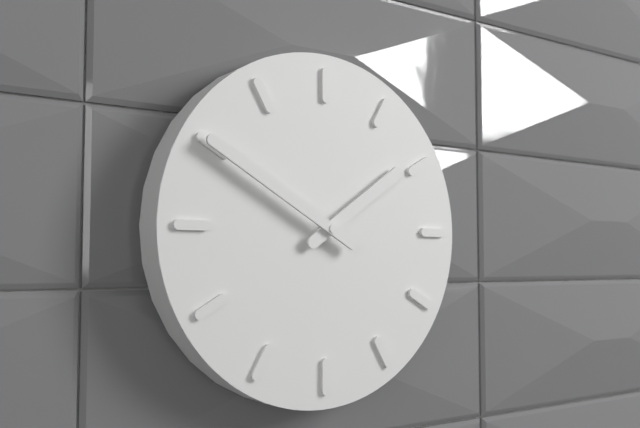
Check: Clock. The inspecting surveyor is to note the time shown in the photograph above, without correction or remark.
1:50
